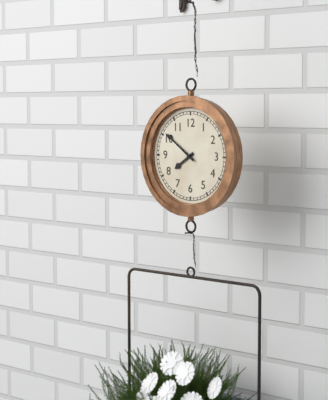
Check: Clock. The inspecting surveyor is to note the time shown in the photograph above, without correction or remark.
7:51
